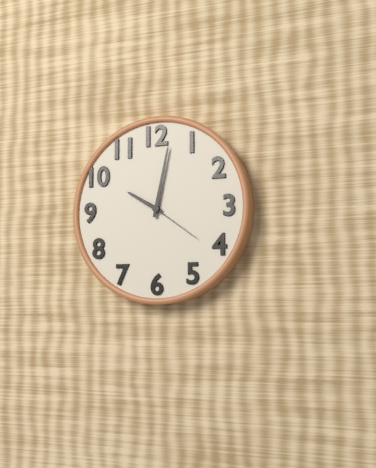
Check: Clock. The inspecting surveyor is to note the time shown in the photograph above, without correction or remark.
10:02:21
